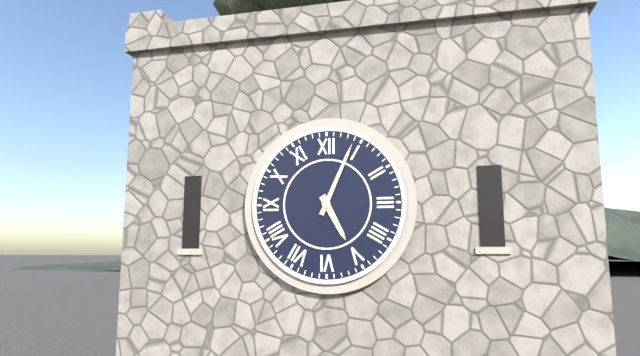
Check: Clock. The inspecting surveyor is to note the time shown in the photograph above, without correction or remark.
5:04
